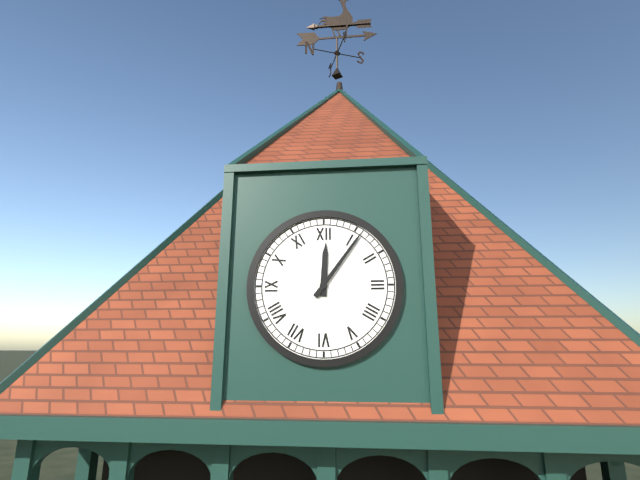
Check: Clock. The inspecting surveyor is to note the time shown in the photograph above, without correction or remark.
12:06
